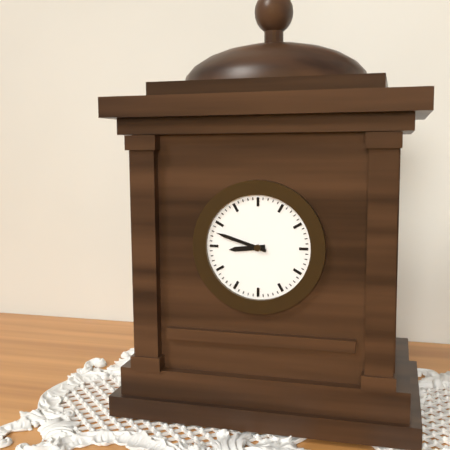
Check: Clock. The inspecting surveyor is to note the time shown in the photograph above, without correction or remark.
8:48
